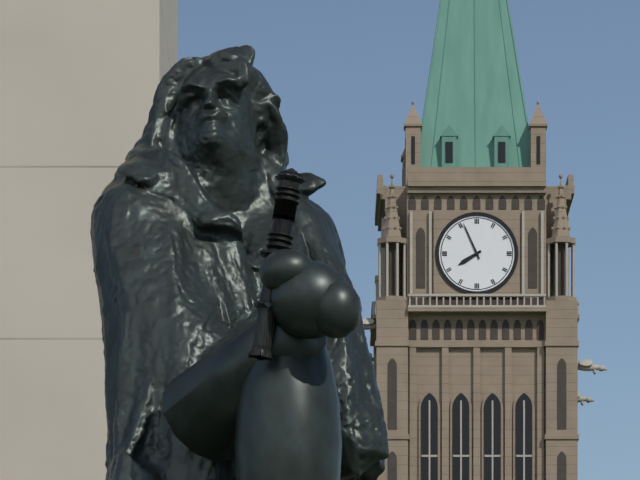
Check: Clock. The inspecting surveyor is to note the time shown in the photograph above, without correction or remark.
7:56
